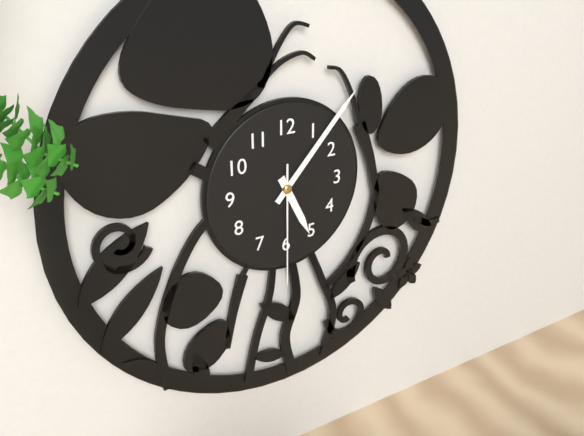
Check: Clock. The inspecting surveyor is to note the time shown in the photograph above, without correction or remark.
5:07:30
